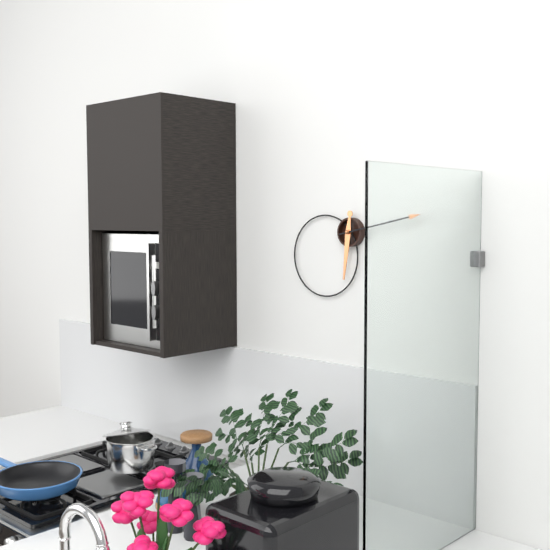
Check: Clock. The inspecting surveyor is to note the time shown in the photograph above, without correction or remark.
6:13
